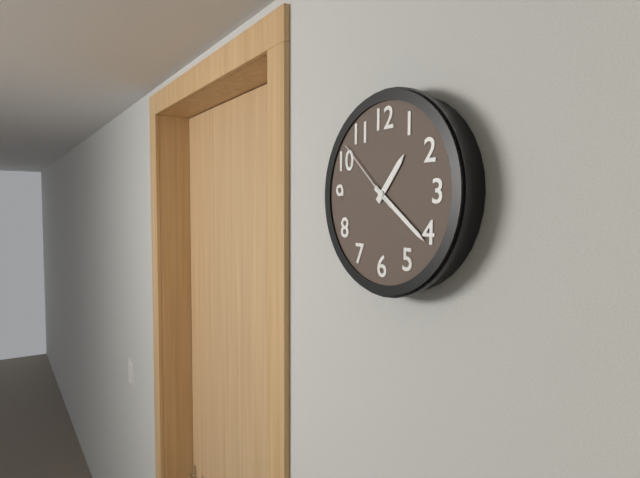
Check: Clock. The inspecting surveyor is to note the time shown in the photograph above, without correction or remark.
1:21:52
